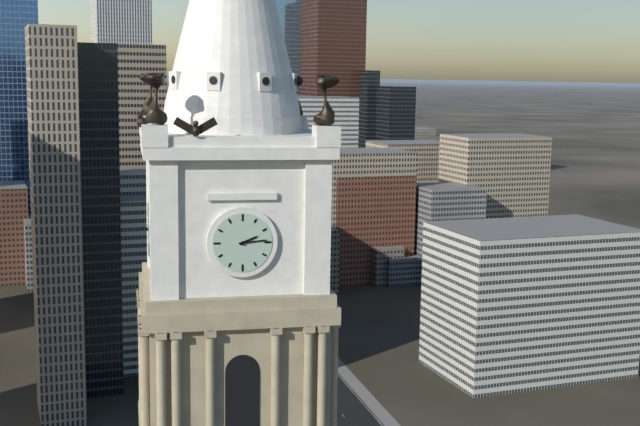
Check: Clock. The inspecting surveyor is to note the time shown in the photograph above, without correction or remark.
2:14
